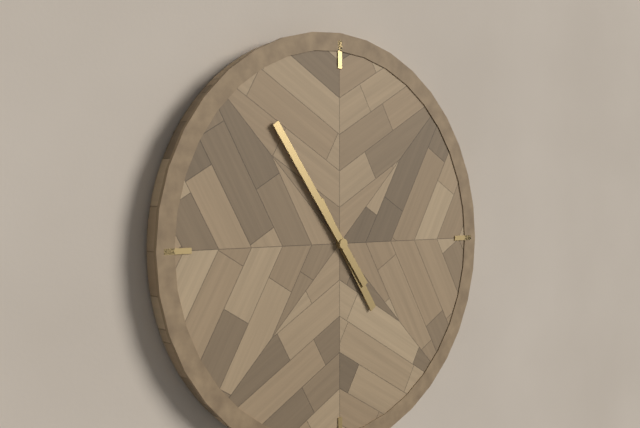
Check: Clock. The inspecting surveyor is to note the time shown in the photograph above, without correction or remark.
4:54
